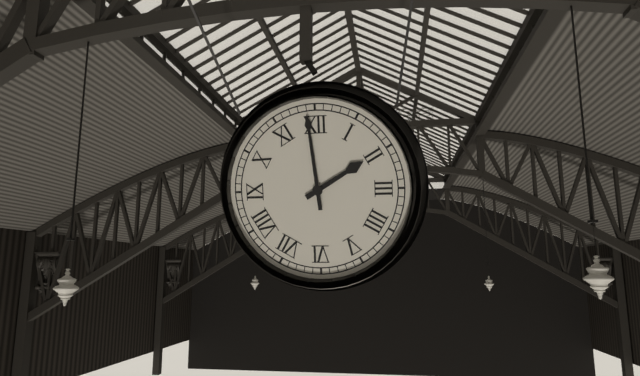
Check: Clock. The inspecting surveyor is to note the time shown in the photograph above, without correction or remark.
1:59
